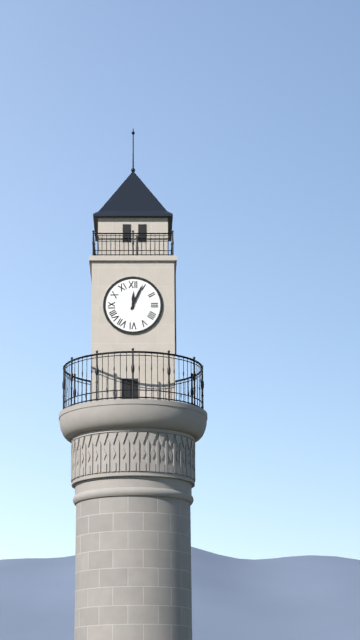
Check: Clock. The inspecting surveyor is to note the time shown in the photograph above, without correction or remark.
12:04
